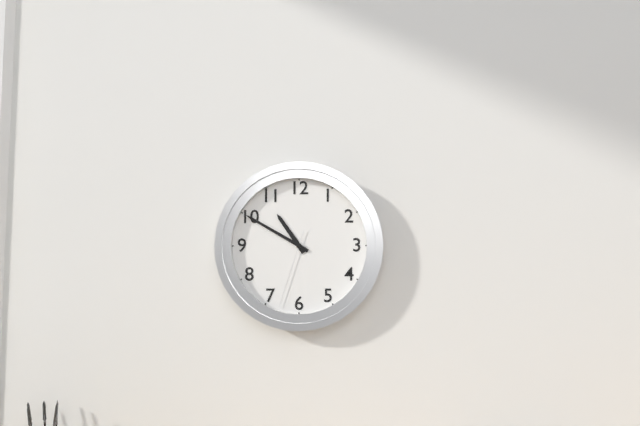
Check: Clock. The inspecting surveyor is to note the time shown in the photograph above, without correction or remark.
10:50:33
